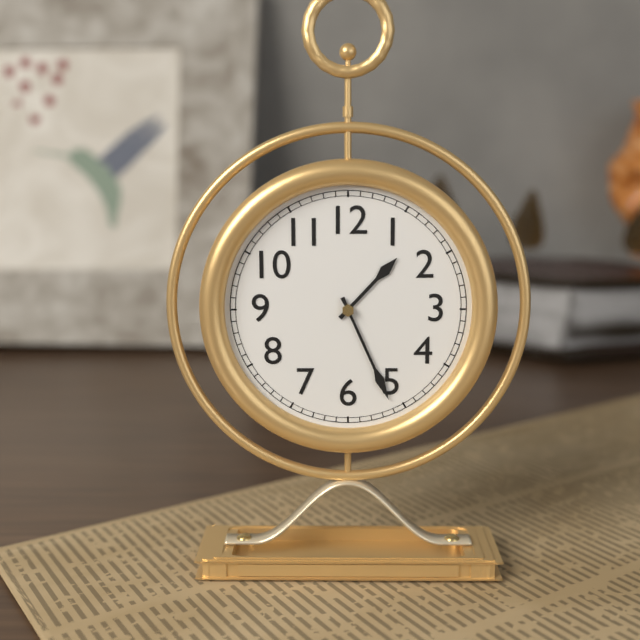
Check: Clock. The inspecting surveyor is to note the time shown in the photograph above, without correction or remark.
1:26
